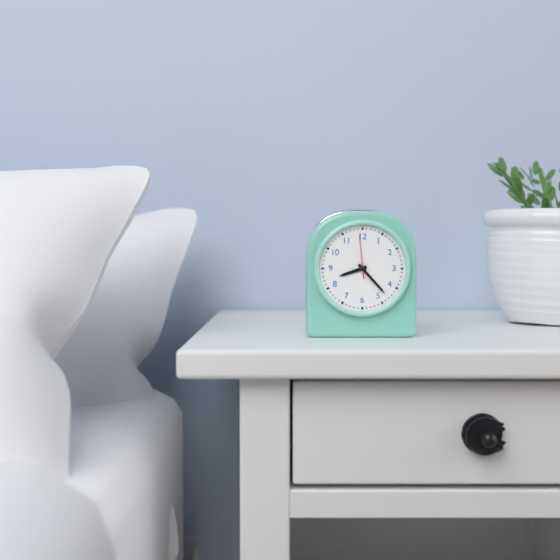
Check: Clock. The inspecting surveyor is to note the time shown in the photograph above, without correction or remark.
8:23
